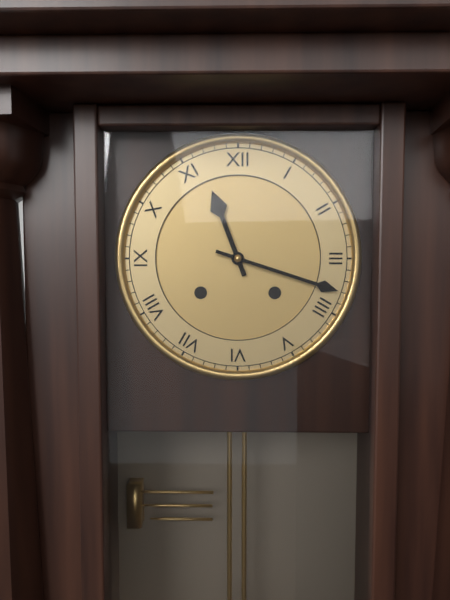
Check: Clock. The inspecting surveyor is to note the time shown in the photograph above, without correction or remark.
11:18
